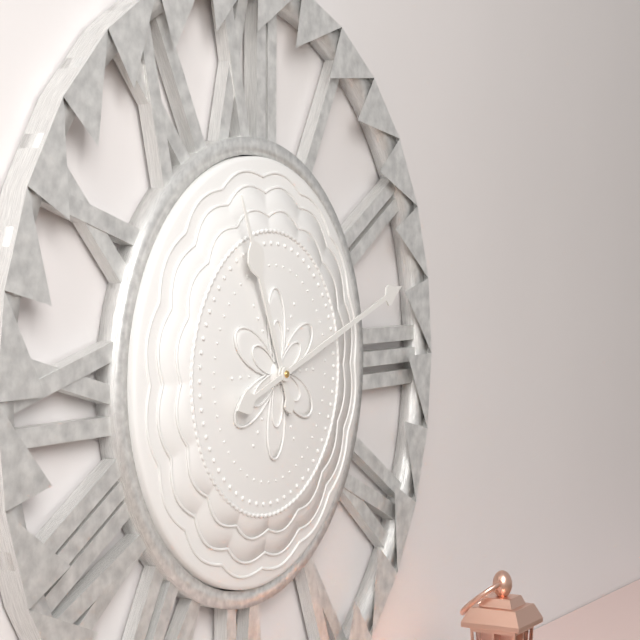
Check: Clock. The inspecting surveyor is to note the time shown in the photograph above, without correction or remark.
11:12
